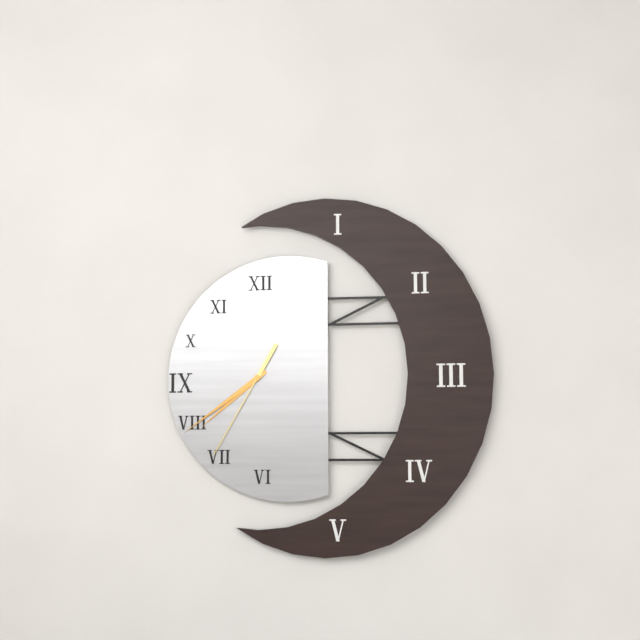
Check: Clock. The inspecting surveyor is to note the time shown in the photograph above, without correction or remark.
7:39:35
